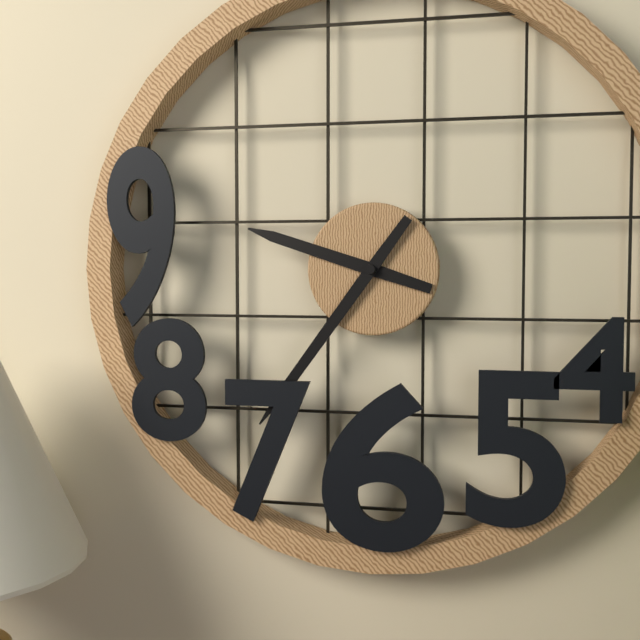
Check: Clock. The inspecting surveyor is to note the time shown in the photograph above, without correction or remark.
9:36
